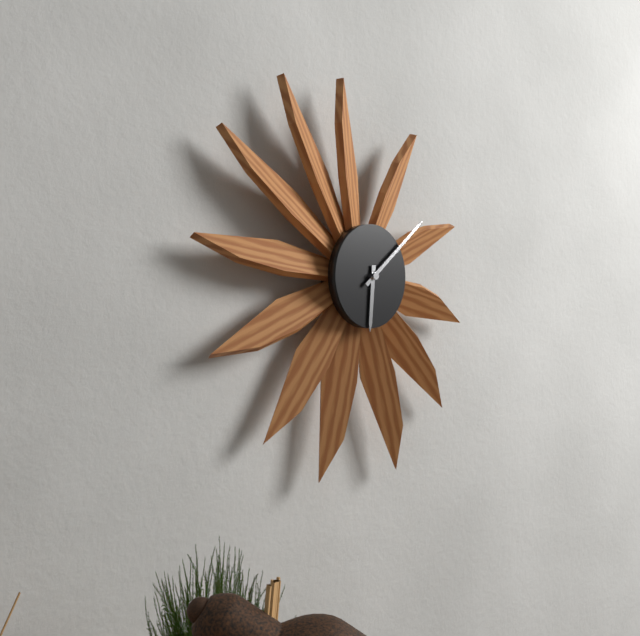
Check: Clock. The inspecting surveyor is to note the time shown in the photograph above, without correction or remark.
6:08
